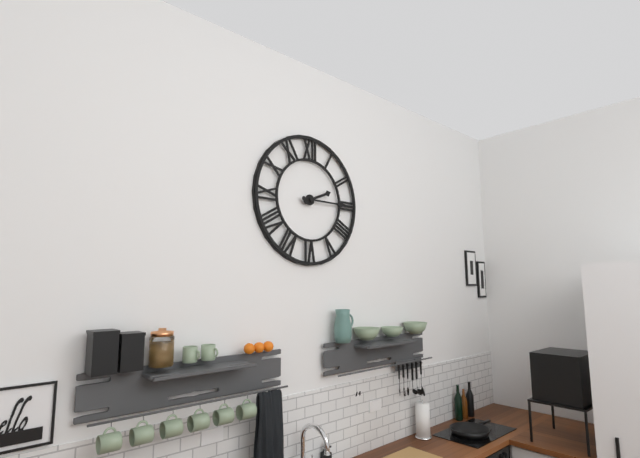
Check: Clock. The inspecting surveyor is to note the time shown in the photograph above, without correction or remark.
2:15
